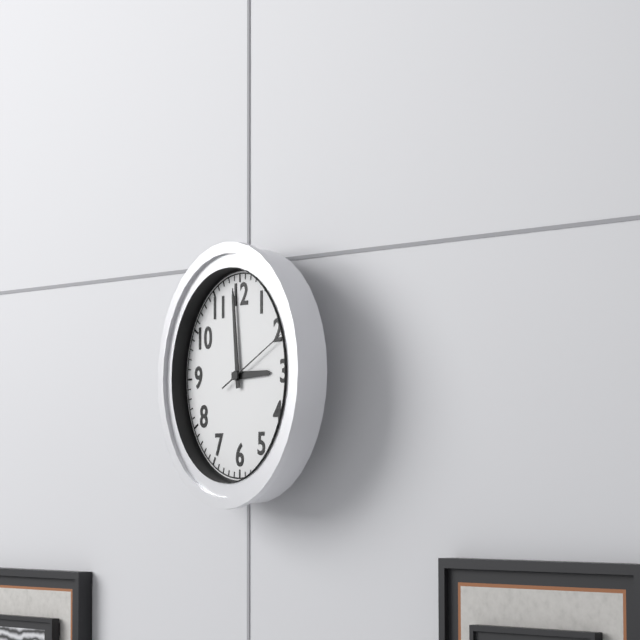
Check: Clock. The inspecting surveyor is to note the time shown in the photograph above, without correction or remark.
2:59:11
